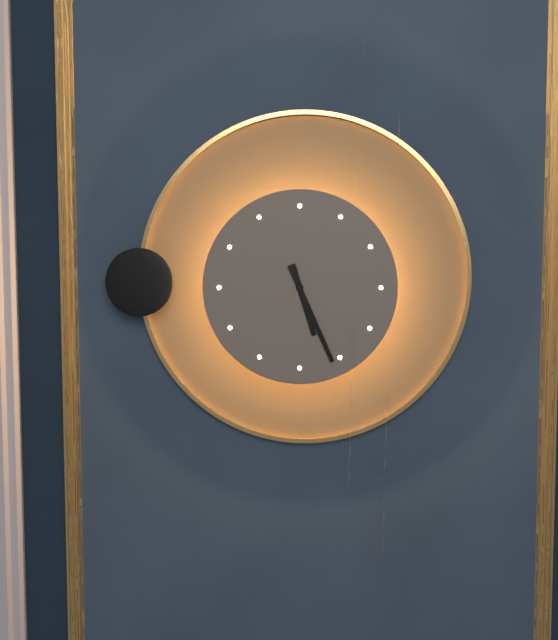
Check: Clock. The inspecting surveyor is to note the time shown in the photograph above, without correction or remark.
5:26
